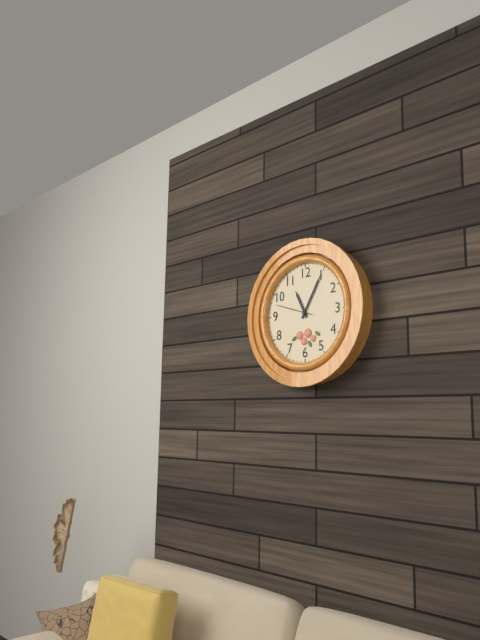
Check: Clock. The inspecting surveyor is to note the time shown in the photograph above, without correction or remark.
11:05
